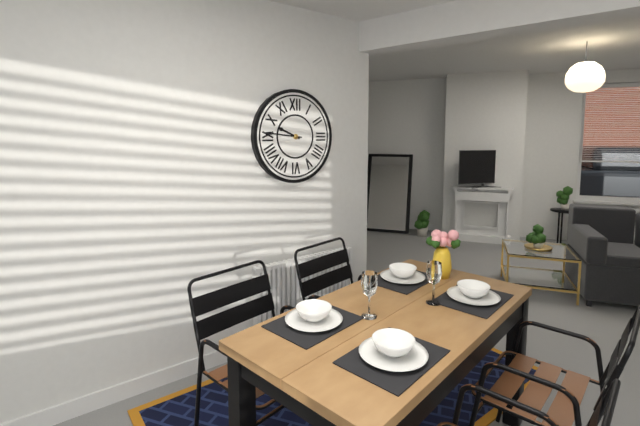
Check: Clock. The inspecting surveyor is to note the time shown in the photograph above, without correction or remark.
9:46
